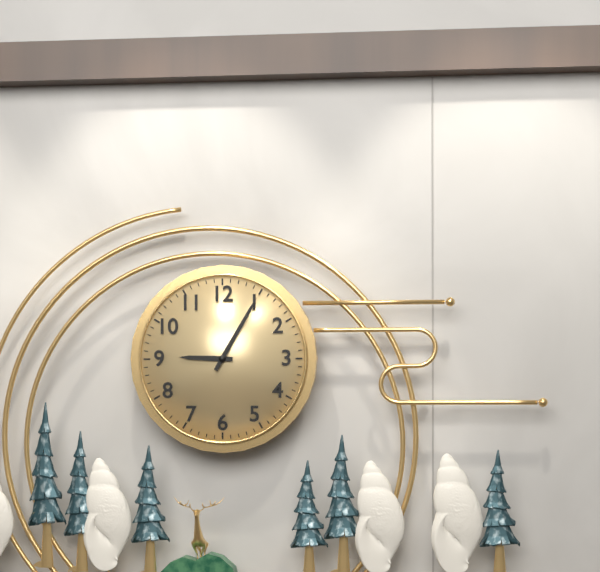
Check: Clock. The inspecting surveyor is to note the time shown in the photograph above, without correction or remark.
9:05
